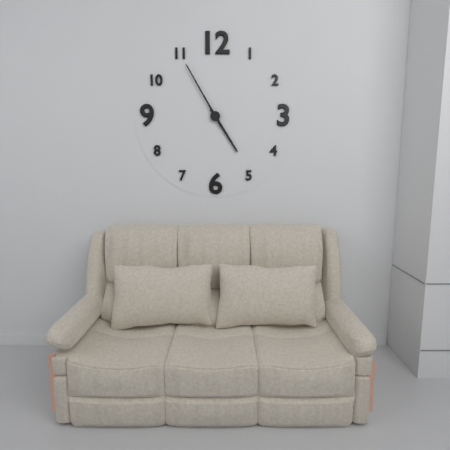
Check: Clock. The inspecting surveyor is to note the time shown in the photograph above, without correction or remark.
4:55
